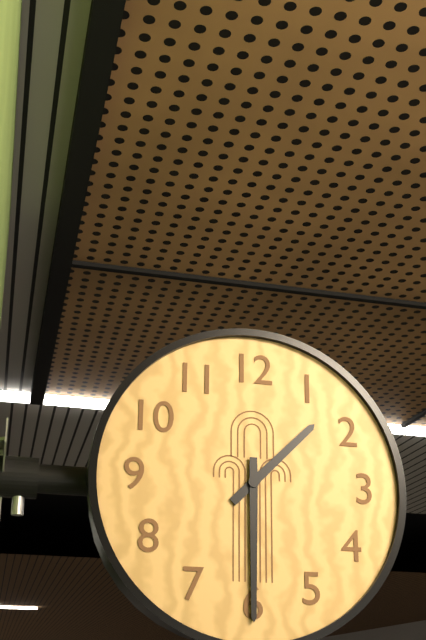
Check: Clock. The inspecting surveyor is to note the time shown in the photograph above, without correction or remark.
1:30
